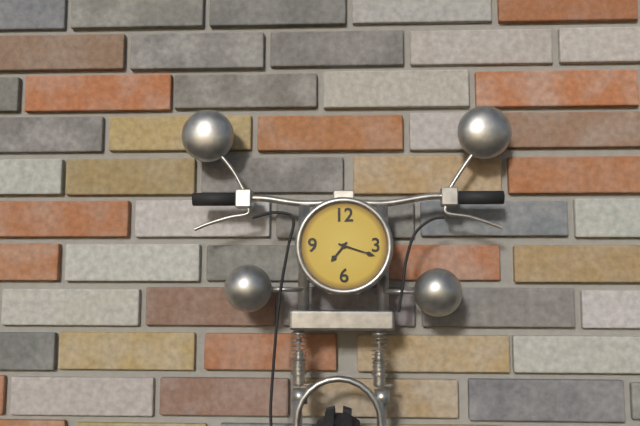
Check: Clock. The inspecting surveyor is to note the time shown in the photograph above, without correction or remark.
7:18
